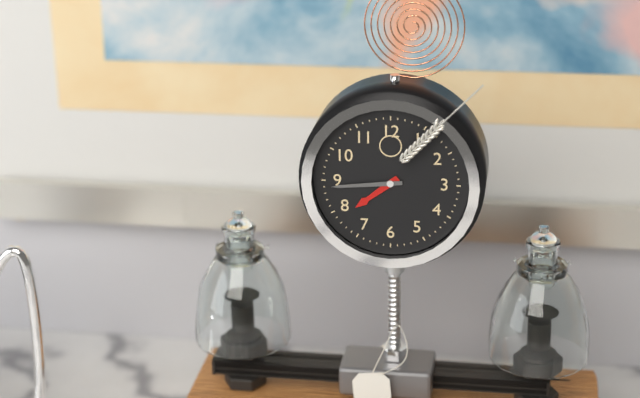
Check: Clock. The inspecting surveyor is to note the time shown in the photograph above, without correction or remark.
7:44
